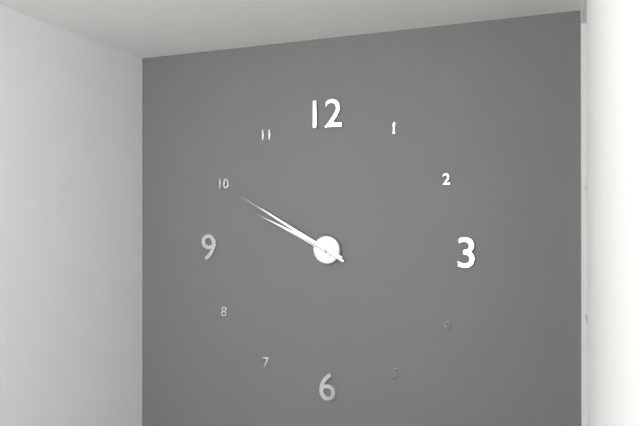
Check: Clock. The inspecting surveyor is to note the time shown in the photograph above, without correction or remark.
9:50
